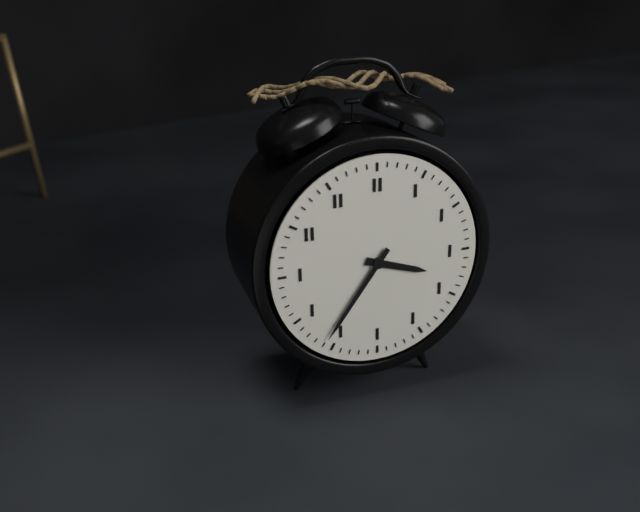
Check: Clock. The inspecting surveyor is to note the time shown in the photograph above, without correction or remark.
3:36
